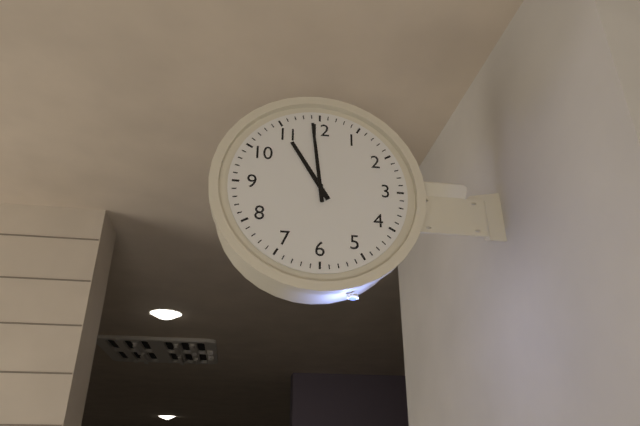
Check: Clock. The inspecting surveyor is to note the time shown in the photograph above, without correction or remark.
10:59
